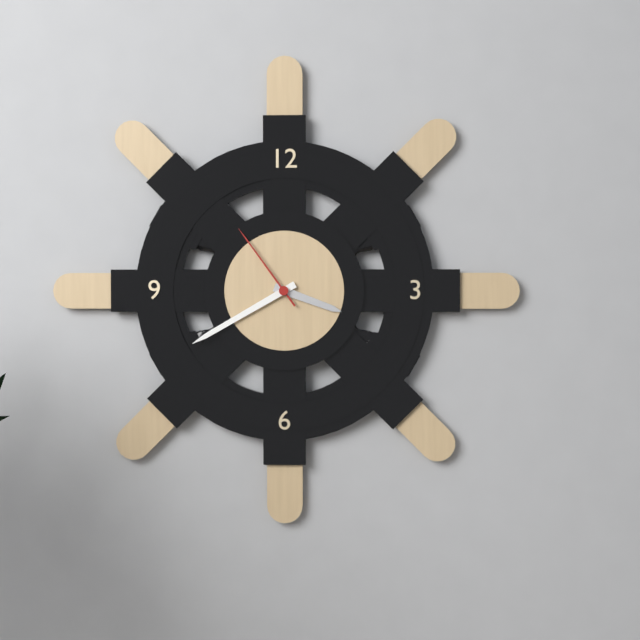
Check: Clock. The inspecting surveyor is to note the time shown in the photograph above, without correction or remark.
3:40:54
